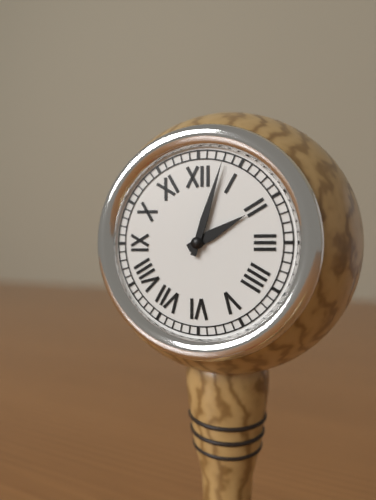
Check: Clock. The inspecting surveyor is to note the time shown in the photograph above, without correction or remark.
2:03
